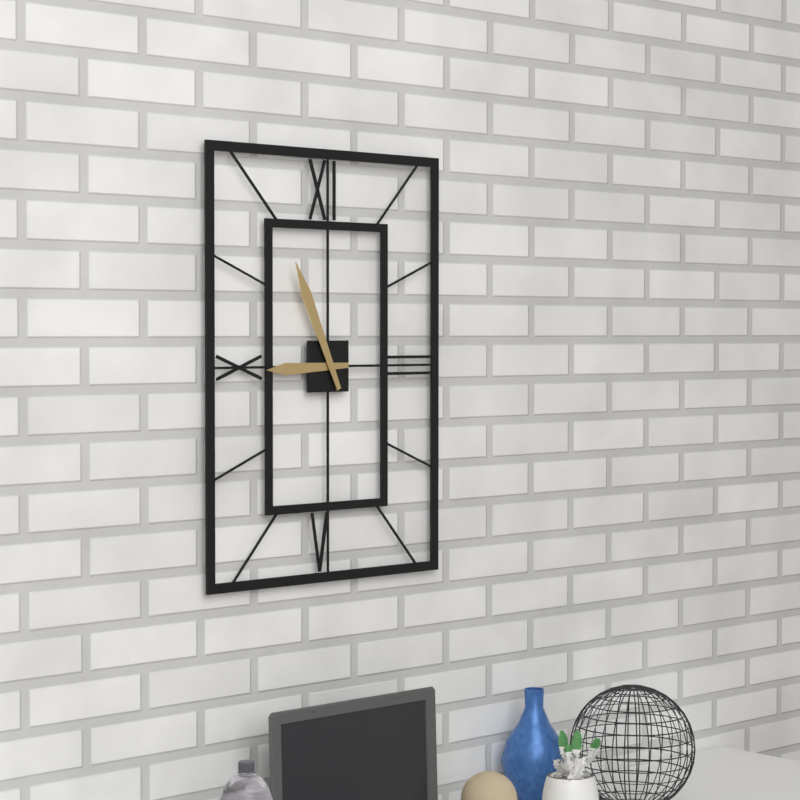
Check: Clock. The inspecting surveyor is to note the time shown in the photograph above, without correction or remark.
8:56
